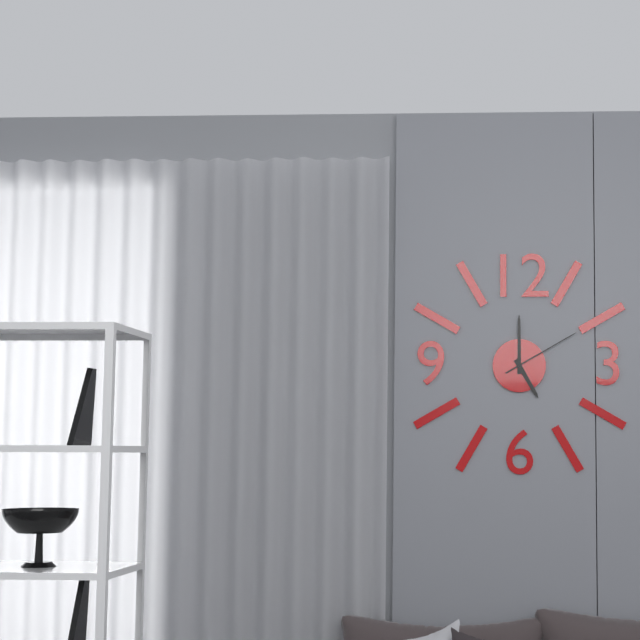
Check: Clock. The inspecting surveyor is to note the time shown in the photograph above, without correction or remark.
5:00:10
